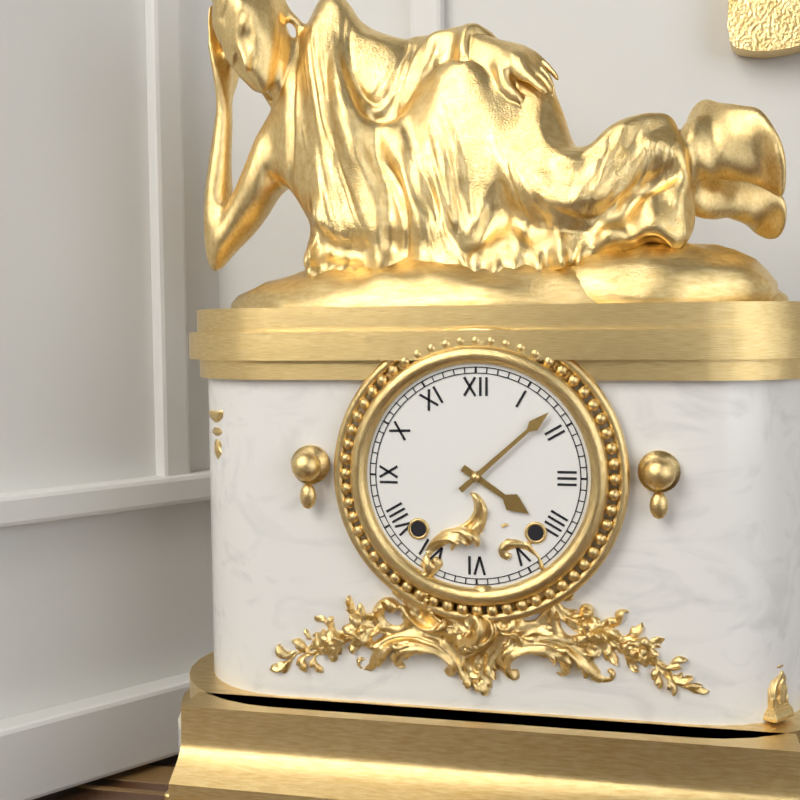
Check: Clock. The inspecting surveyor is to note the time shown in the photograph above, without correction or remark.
4:08
